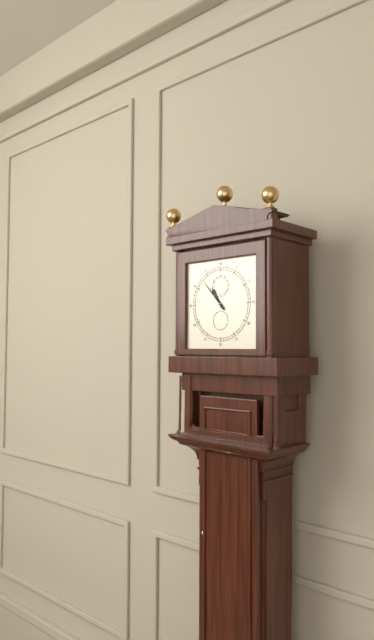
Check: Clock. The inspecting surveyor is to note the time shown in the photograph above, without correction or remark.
10:53
